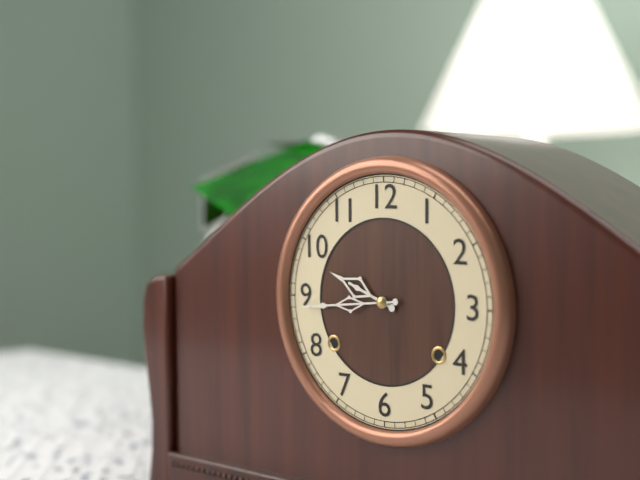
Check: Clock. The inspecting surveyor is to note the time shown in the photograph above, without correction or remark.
9:44
